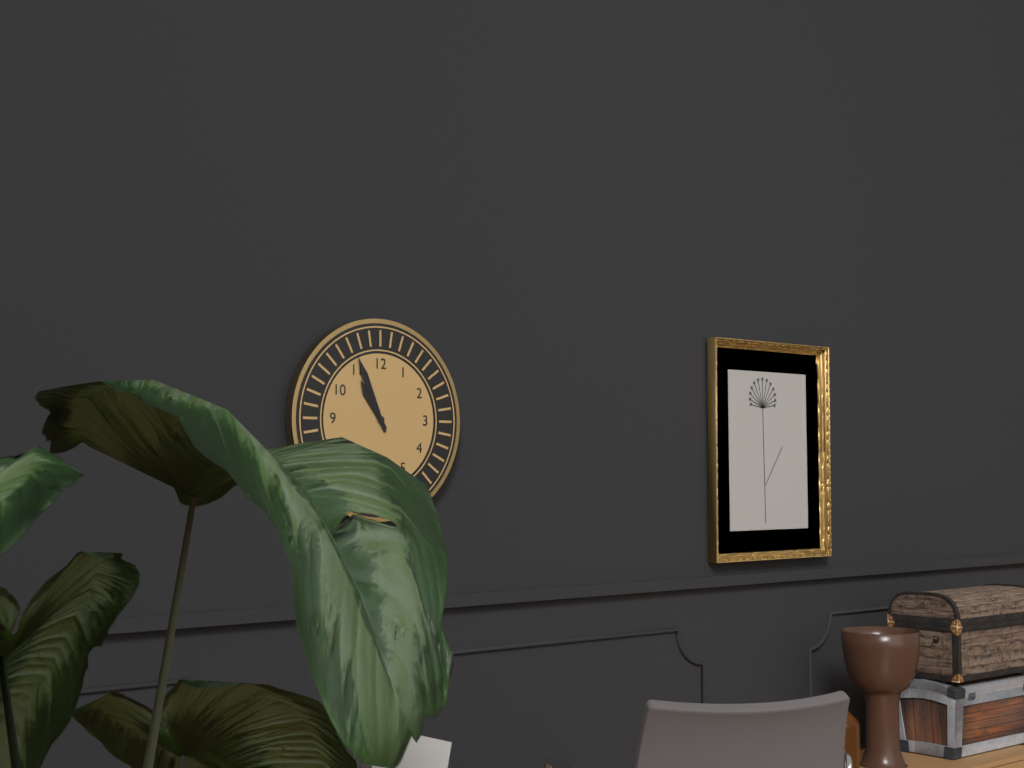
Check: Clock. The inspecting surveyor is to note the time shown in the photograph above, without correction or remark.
10:56
